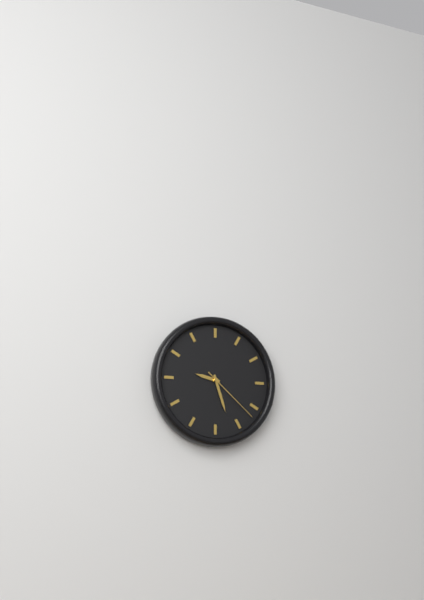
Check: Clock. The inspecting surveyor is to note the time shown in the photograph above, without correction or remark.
9:27:22
